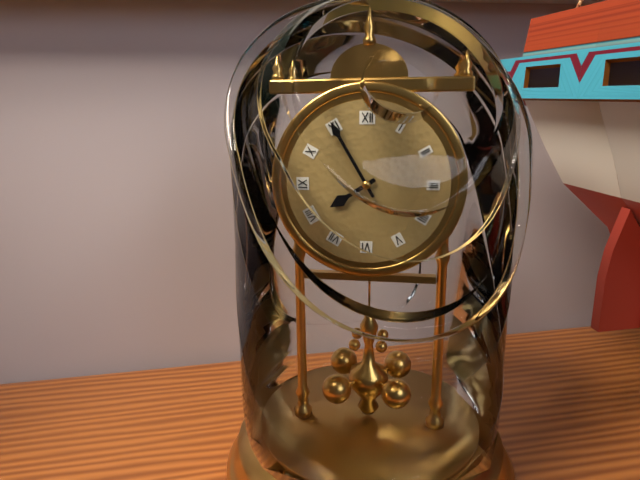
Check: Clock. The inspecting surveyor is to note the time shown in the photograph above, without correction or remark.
7:55
